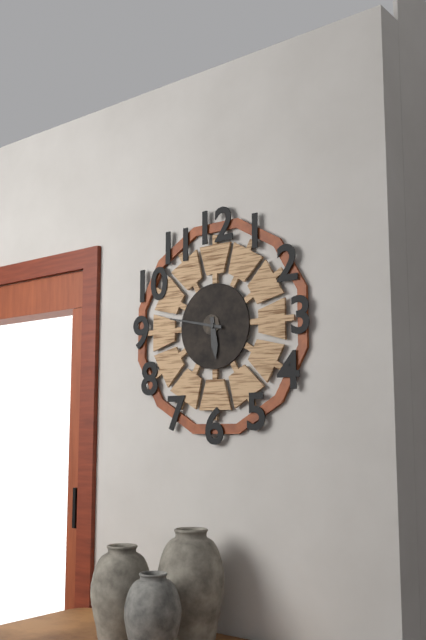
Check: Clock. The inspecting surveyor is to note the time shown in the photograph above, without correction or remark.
5:47
